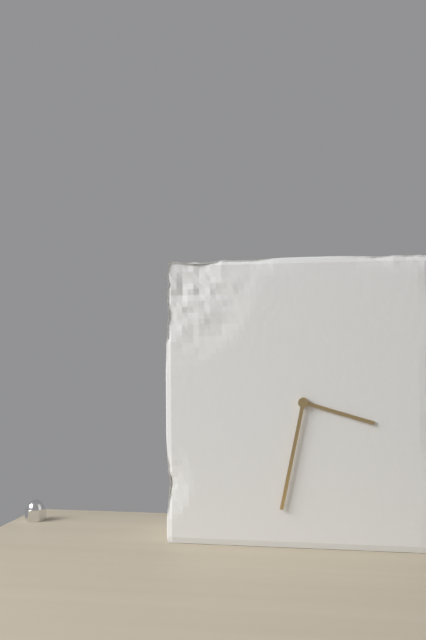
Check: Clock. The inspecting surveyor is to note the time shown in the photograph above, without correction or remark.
3:32
